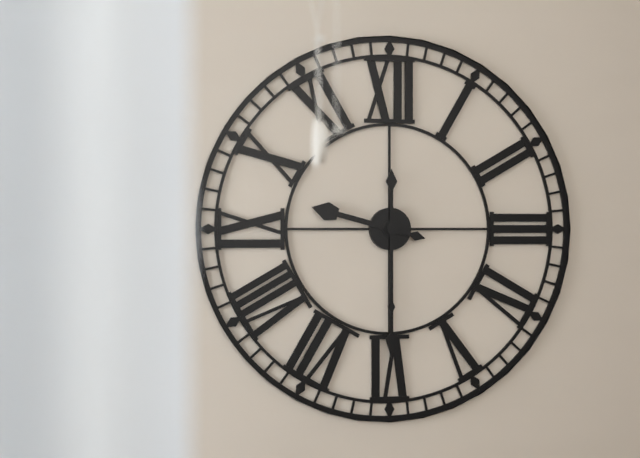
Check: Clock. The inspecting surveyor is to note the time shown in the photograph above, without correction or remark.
9:30
